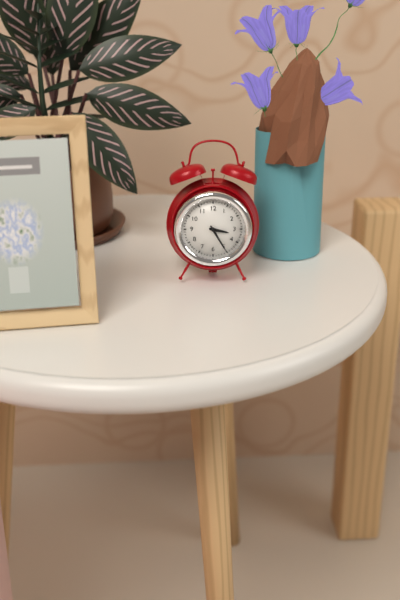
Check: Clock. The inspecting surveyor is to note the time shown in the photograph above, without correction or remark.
3:25
